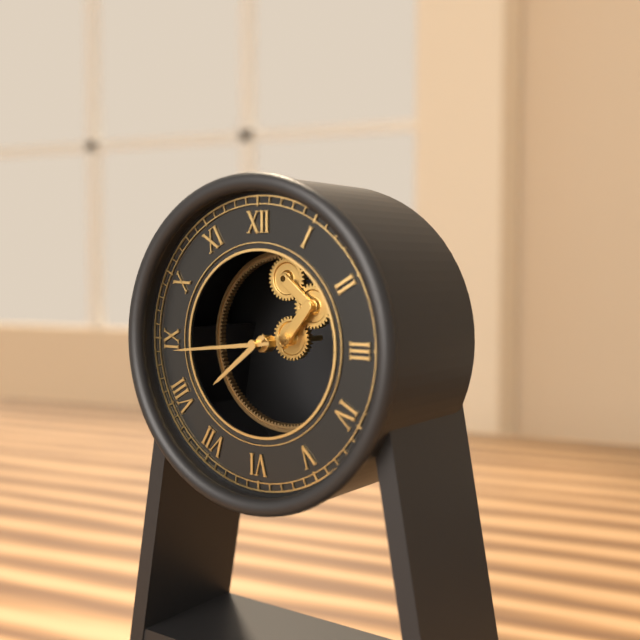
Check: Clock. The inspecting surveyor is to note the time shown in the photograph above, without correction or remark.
7:44
